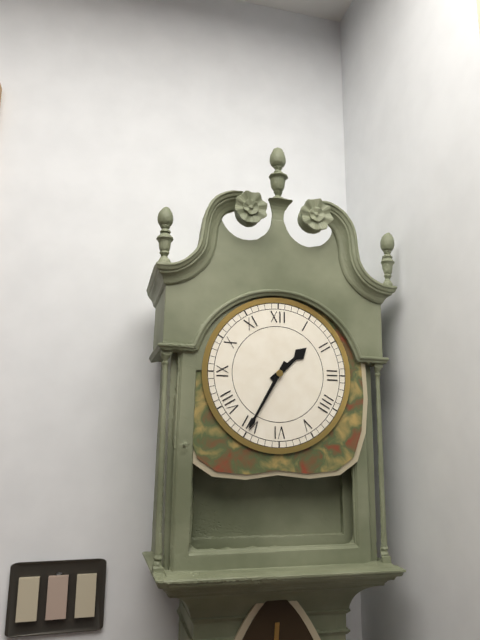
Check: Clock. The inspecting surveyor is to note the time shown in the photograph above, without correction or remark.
1:35
